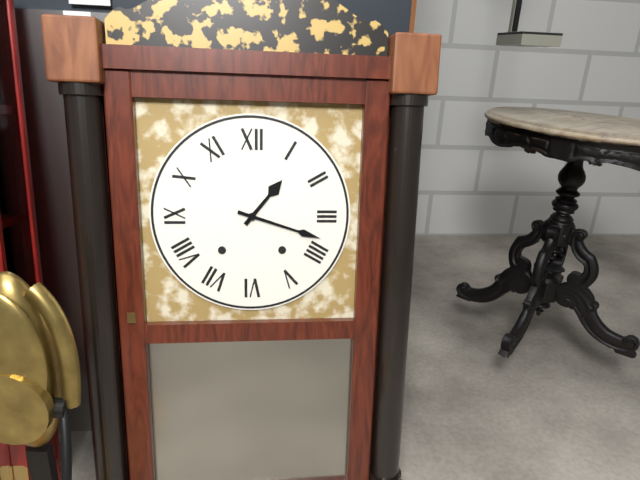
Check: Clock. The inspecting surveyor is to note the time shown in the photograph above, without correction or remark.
1:18
